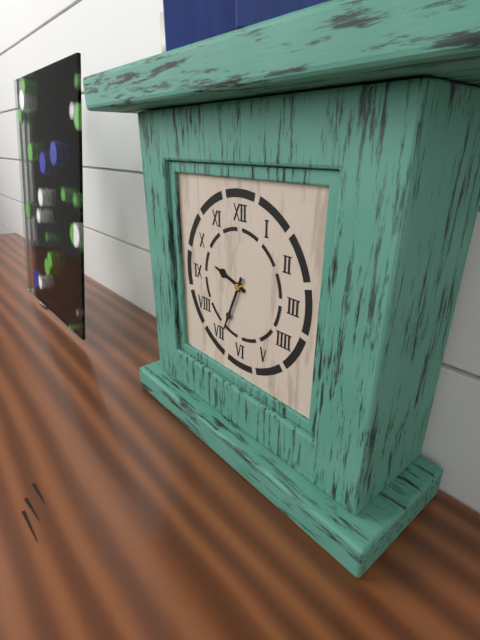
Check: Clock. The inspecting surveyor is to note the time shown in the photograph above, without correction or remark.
9:34
